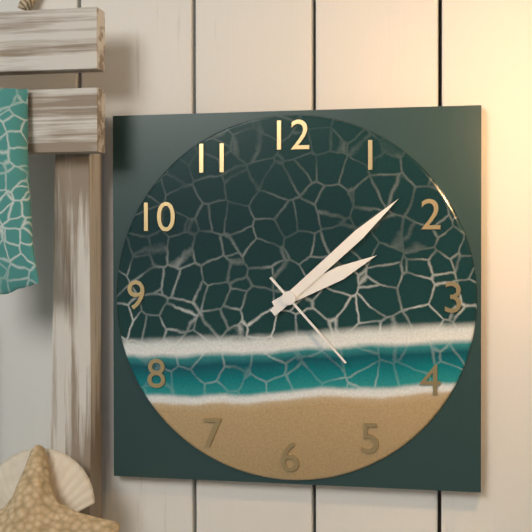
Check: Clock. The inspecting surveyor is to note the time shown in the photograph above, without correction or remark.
2:08:23
